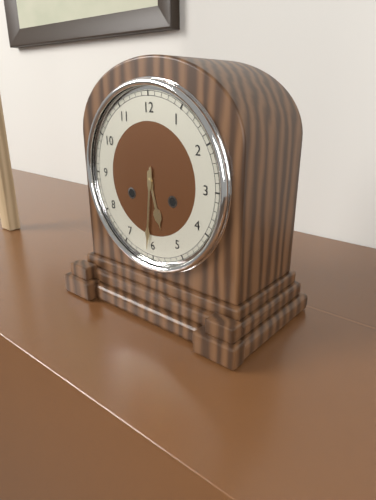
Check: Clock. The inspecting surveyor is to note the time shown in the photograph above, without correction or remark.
5:31
